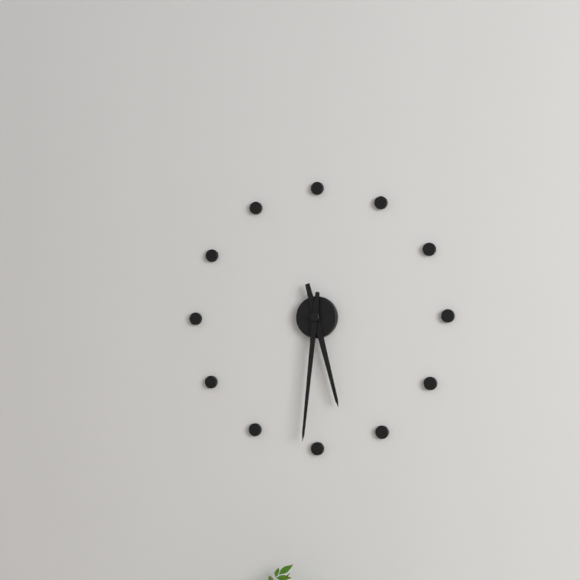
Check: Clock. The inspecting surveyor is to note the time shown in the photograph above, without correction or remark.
5:31
